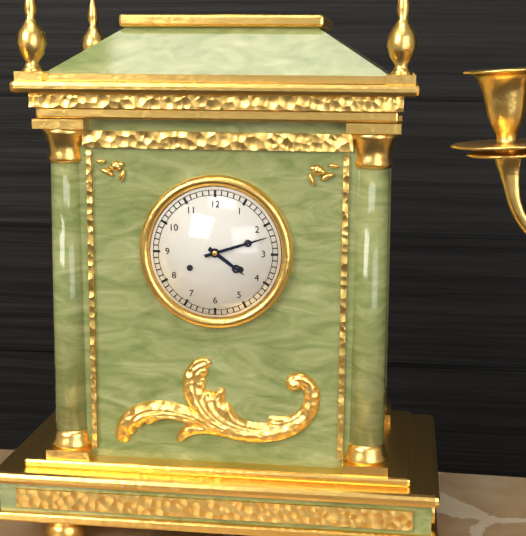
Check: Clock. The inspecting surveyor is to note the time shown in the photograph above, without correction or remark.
4:12
